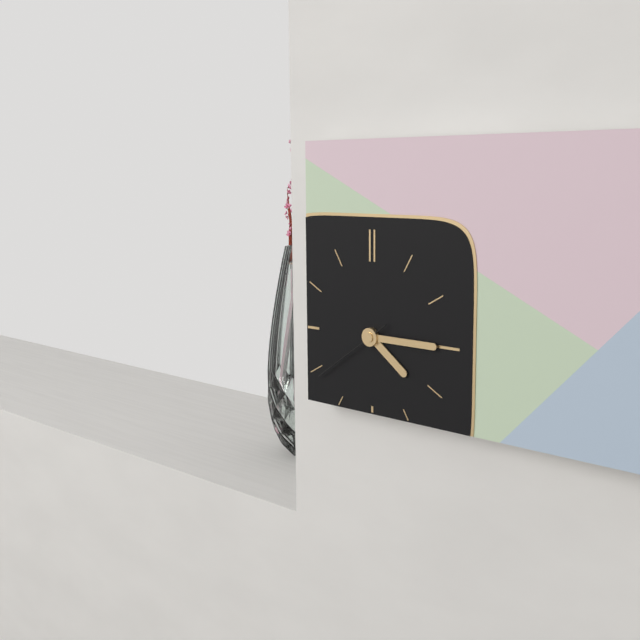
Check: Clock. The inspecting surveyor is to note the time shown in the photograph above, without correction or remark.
4:15:39
